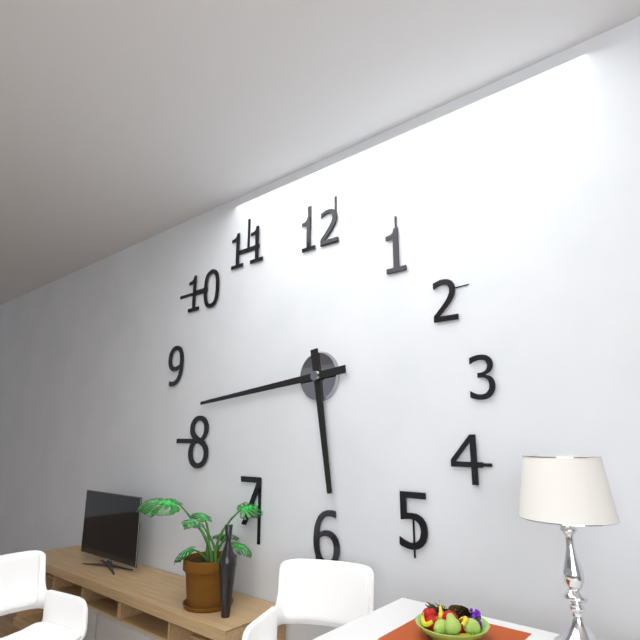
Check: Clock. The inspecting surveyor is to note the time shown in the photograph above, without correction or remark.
5:44
